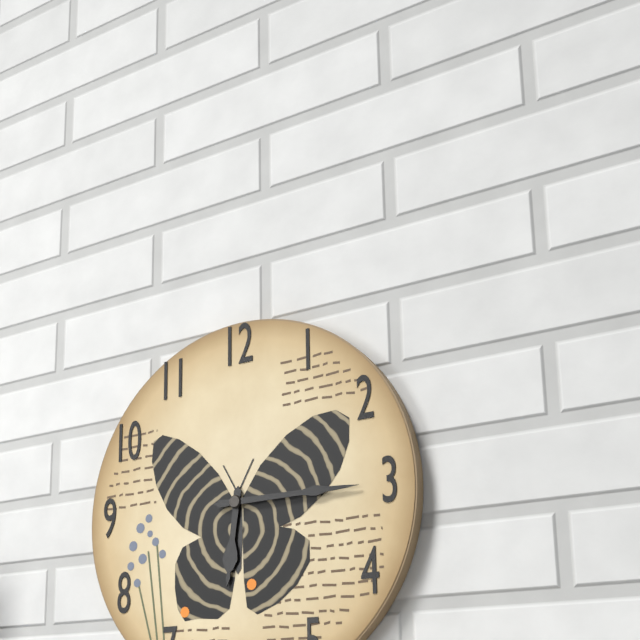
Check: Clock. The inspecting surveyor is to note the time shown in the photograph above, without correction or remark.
6:15
